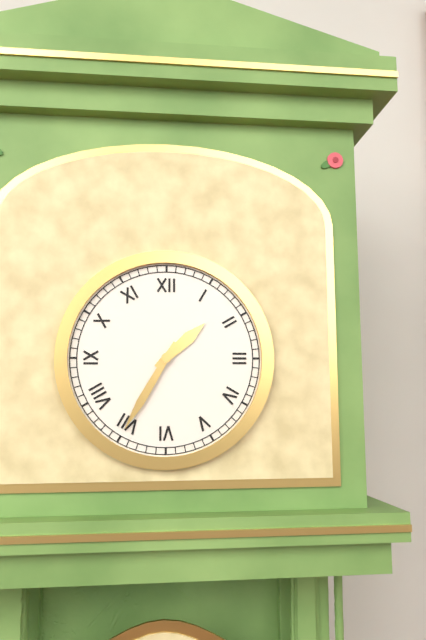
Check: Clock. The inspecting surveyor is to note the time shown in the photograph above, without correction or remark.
1:35
